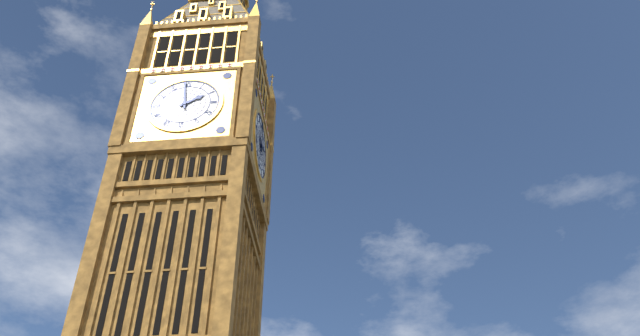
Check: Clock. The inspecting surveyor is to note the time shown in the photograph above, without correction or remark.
1:59
